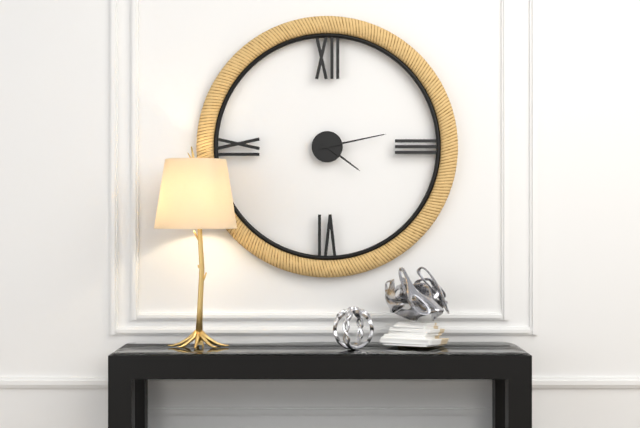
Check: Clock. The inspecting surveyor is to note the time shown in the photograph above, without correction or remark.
4:13
